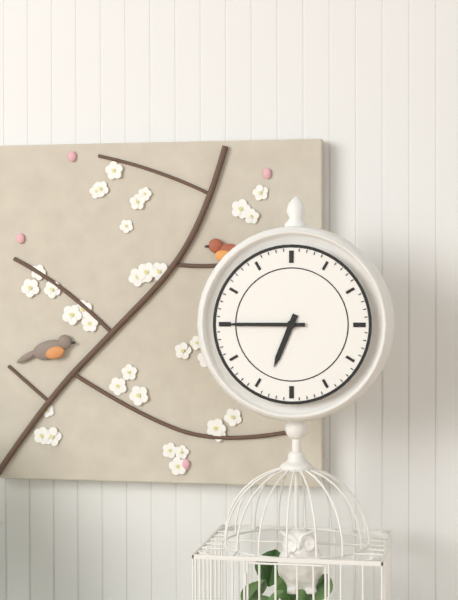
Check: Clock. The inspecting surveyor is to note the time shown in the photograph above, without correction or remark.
6:45
